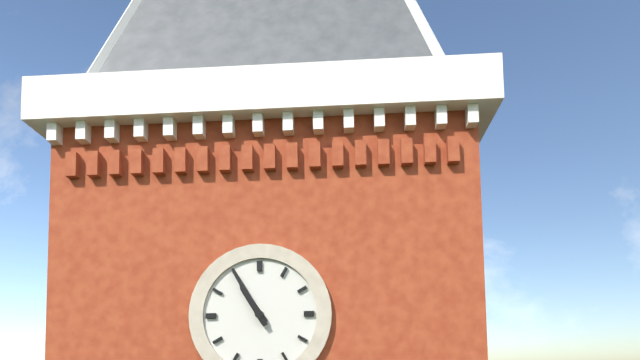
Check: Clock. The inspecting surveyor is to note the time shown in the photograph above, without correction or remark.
10:55
